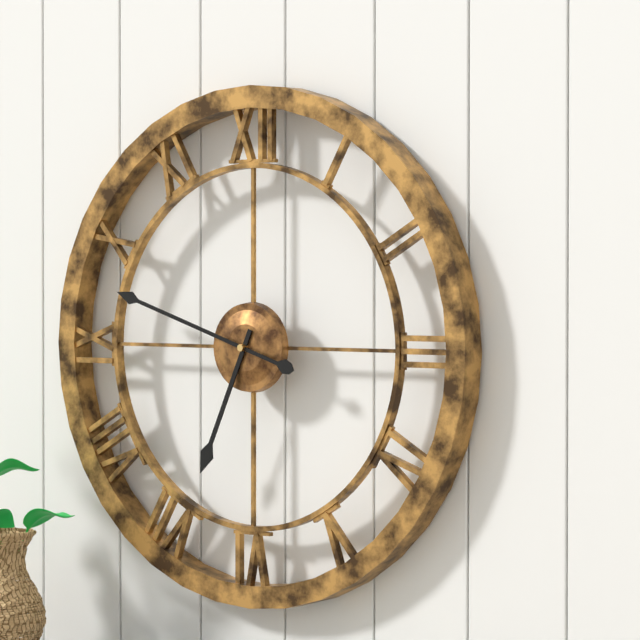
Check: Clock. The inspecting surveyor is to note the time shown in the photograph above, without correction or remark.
6:48
